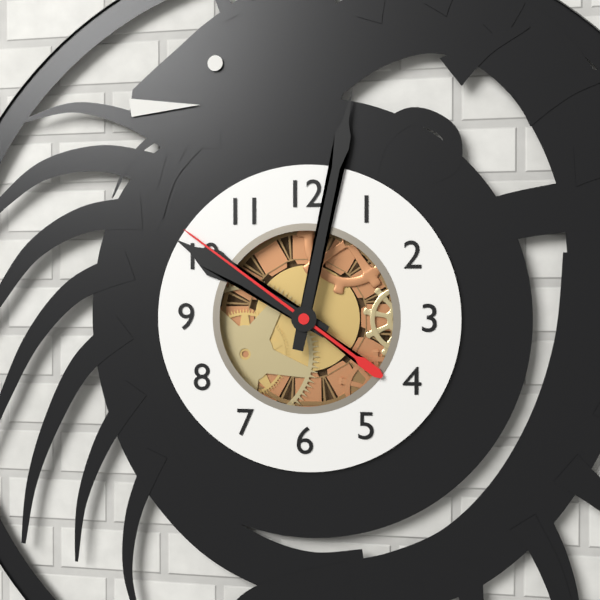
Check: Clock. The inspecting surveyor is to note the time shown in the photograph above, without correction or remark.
10:02:51
